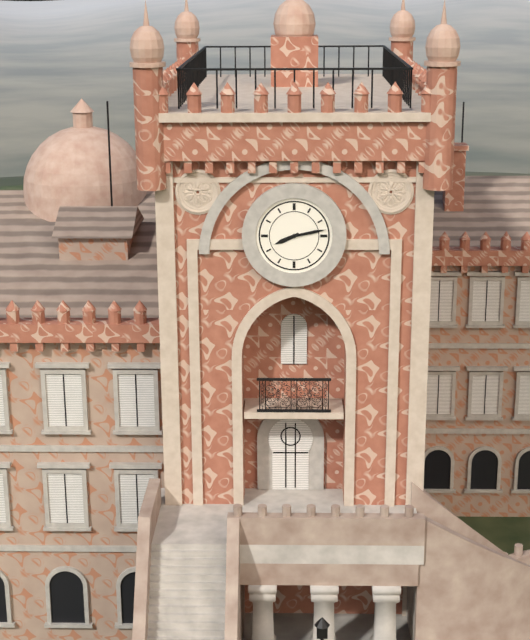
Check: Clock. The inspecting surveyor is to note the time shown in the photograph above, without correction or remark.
8:13
